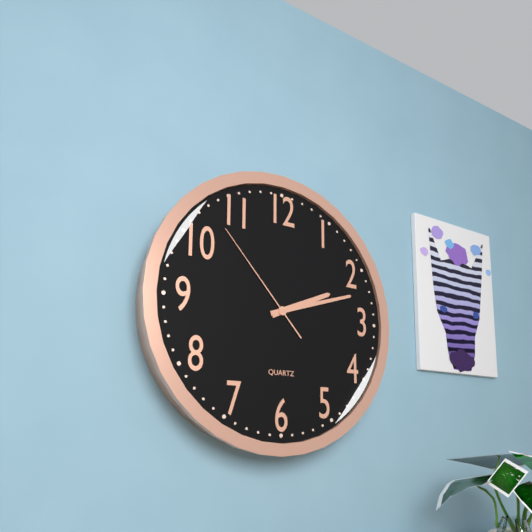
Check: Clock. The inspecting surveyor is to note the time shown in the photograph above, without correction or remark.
2:12:53
